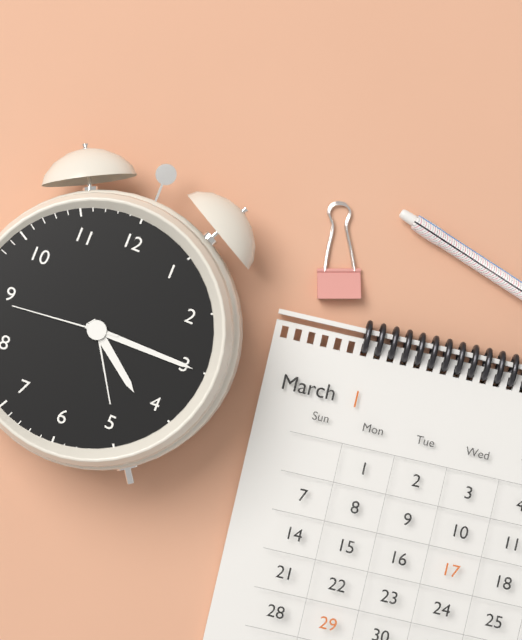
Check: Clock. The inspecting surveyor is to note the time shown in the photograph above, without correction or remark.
4:15:44
